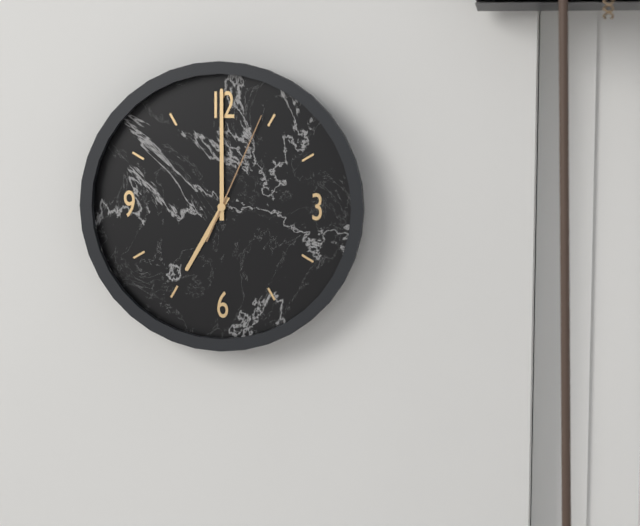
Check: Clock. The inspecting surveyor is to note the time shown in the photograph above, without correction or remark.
7:00:04
